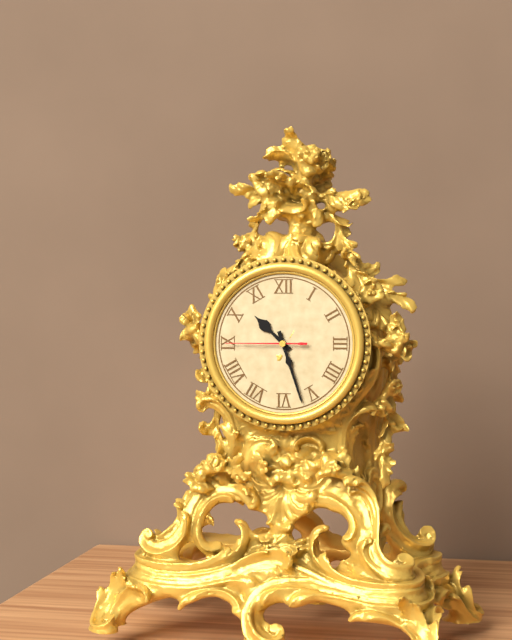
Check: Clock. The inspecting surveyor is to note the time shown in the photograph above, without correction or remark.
10:27:45
